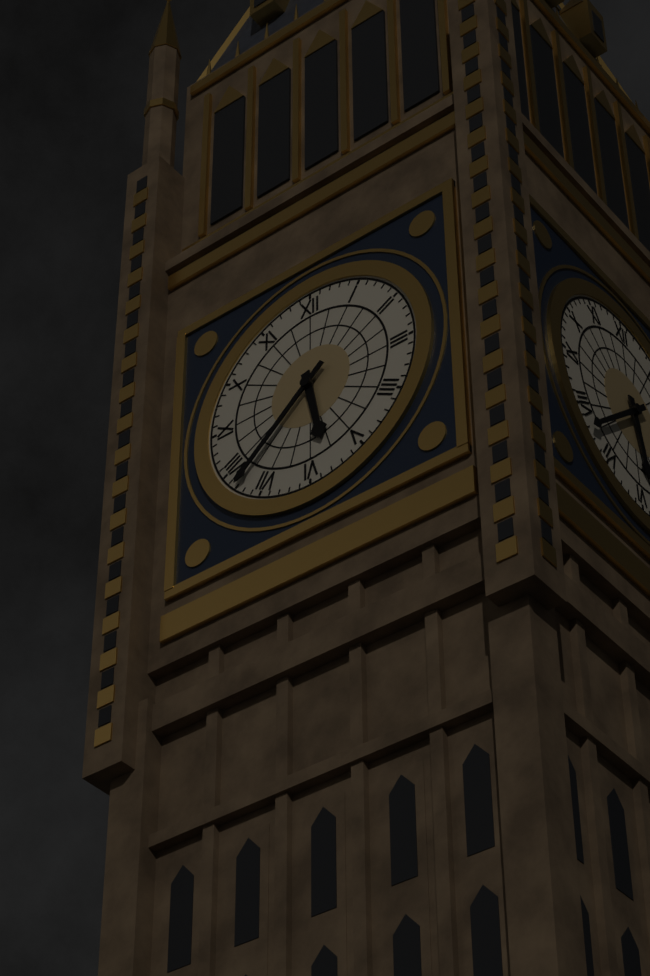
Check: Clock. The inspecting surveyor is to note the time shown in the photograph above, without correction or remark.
5:38
